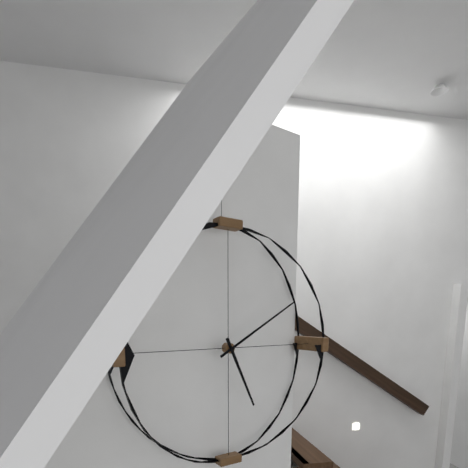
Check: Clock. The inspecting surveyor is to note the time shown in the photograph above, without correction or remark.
5:10
